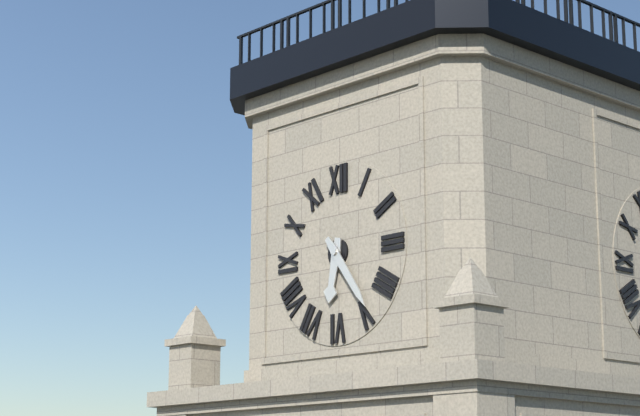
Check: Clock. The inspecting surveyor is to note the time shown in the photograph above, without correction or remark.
6:24
